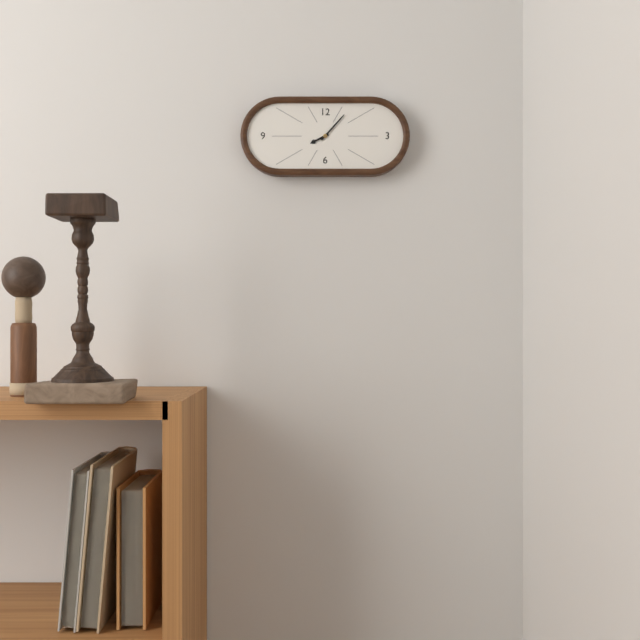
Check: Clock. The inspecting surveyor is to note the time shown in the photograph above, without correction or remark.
8:07
